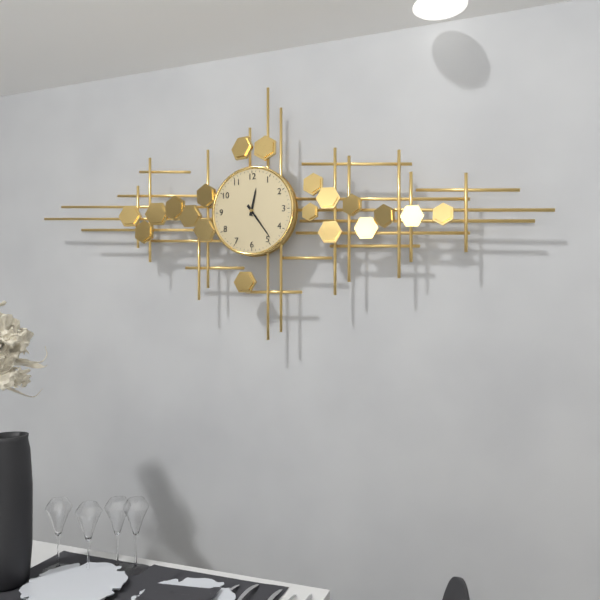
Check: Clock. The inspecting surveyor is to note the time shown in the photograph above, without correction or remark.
12:24
